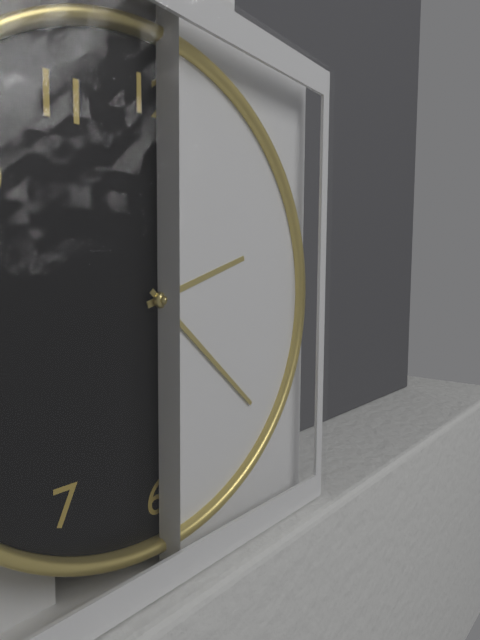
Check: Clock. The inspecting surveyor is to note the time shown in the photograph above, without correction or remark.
2:22
